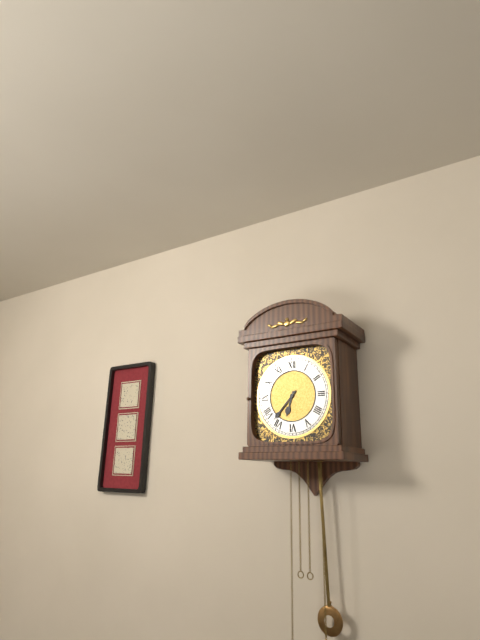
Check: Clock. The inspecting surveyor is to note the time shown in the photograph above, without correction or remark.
6:37
